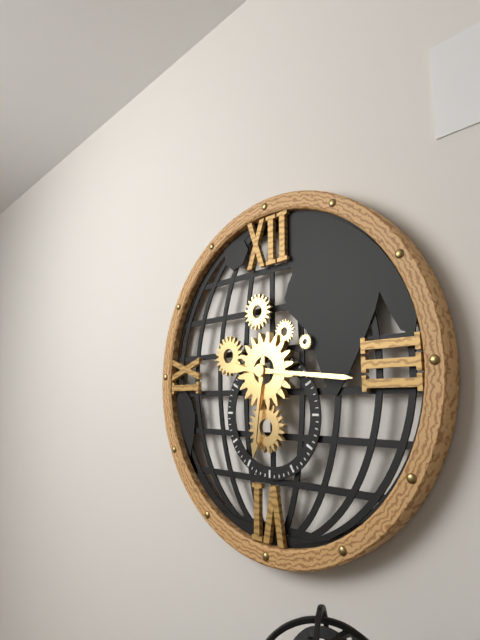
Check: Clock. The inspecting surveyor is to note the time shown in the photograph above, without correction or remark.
6:16
